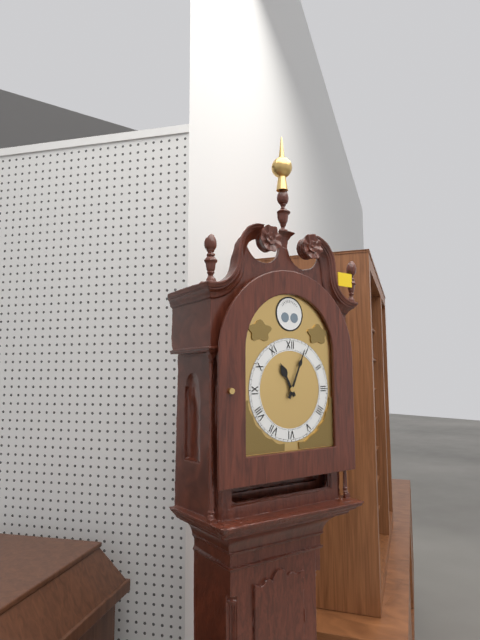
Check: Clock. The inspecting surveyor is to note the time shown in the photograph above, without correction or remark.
11:04
